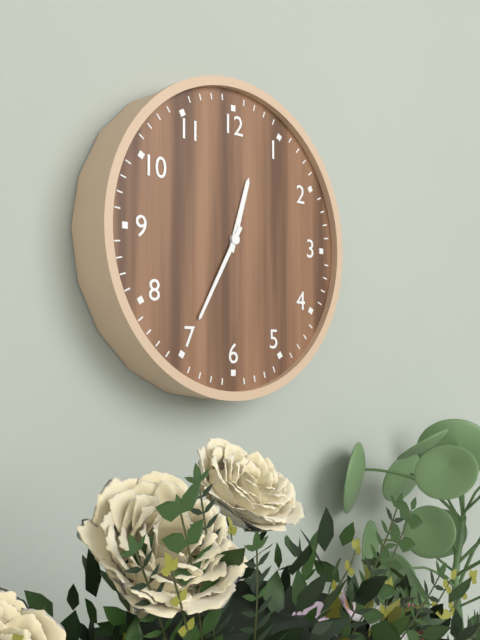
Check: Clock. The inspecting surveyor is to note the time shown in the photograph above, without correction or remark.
12:35
